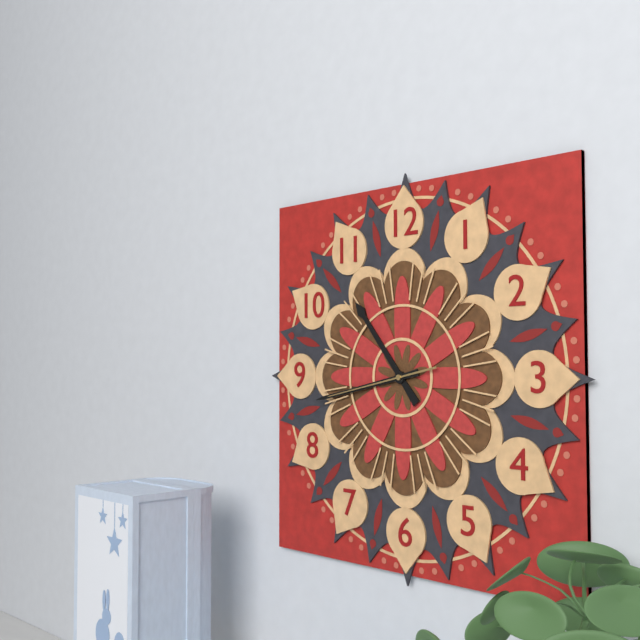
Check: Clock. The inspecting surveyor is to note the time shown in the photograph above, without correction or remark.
10:43:43
